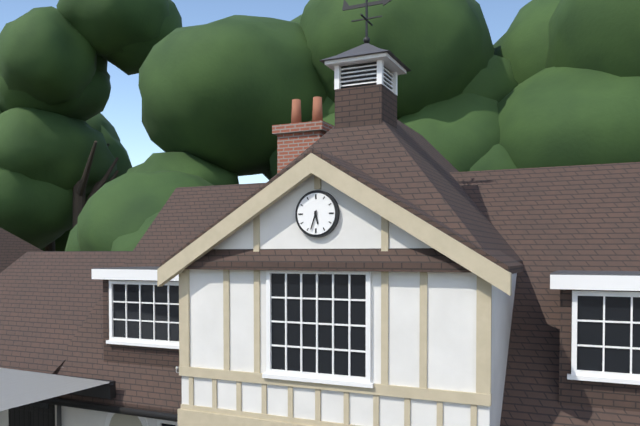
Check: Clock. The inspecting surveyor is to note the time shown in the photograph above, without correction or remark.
5:33
